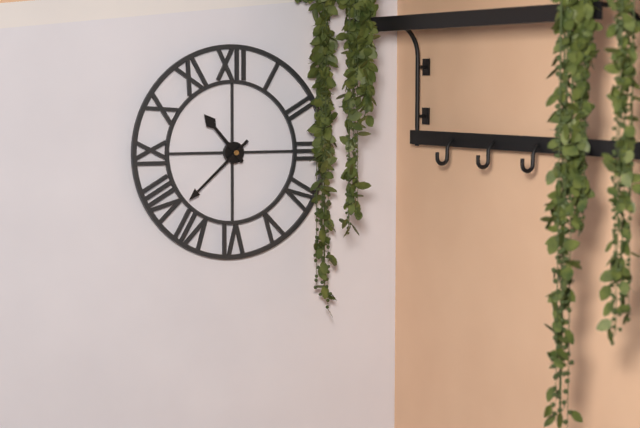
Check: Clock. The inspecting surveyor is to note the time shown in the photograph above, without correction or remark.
10:38
